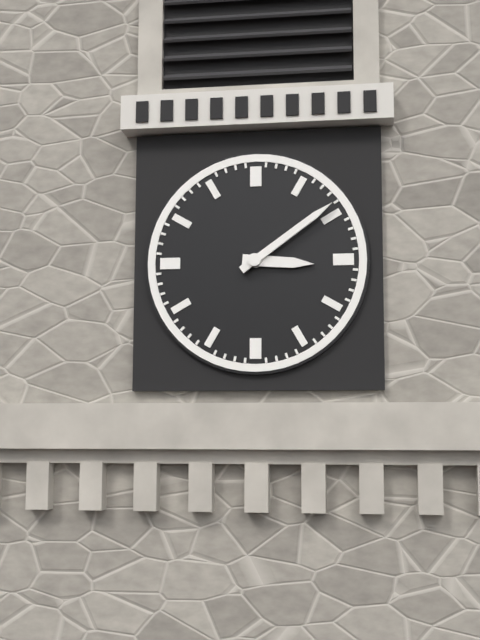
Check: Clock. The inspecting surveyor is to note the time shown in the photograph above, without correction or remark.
3:09
